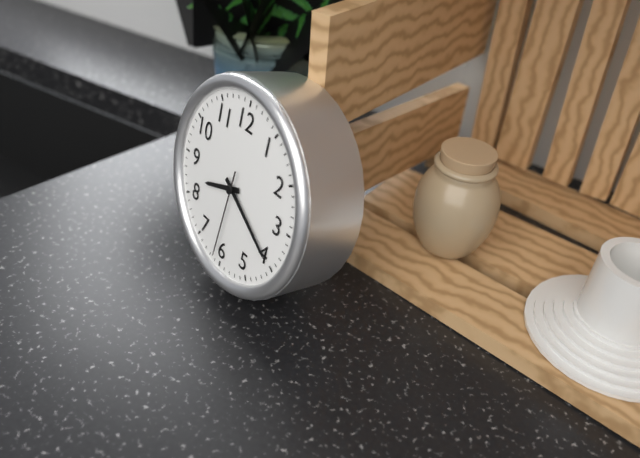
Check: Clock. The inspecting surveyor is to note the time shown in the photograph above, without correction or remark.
8:20:31
